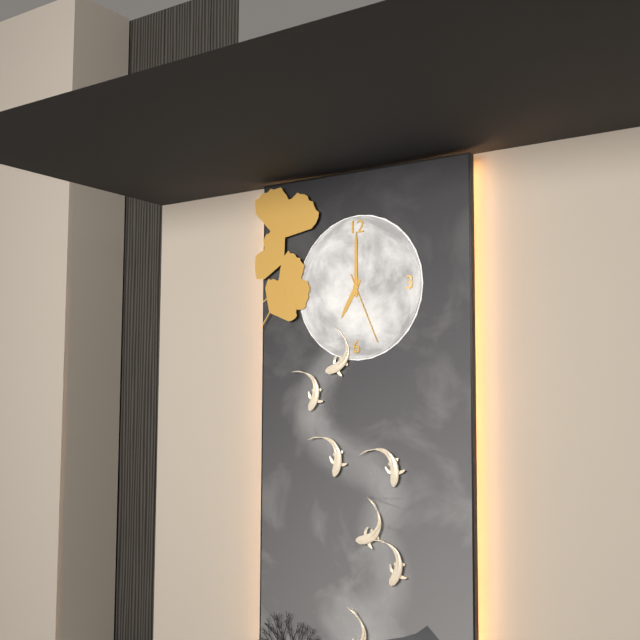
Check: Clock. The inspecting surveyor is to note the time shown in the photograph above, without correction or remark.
7:00:26
